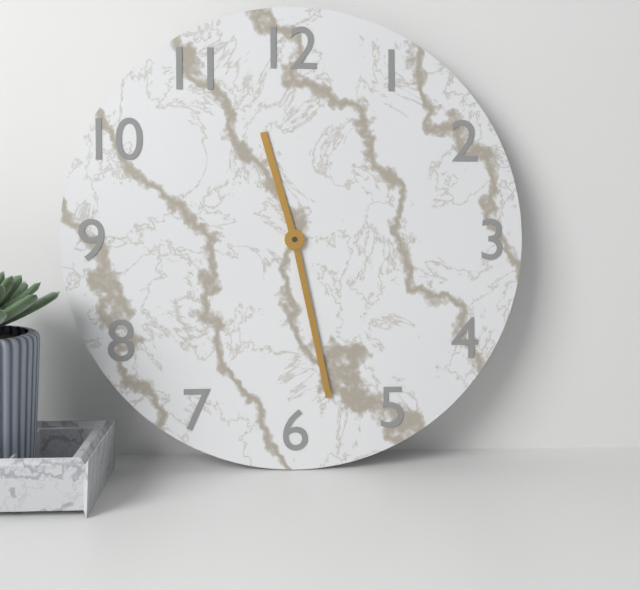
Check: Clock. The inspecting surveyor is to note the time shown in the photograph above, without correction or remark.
11:28
